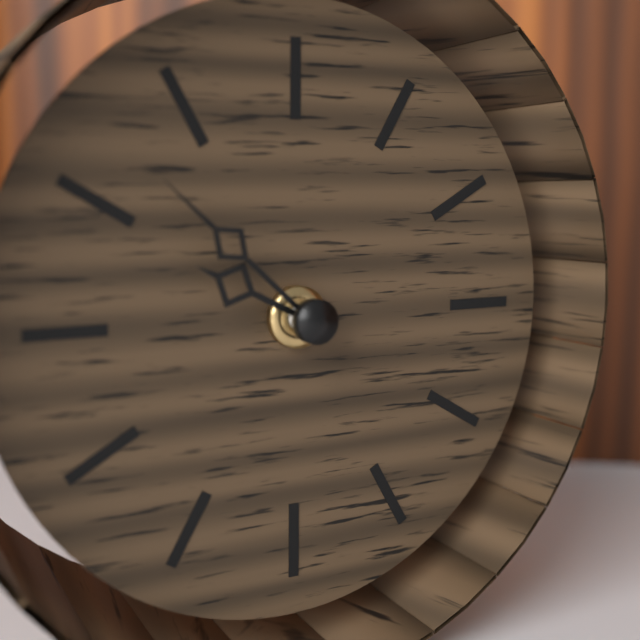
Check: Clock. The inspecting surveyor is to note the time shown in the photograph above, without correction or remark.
9:52
